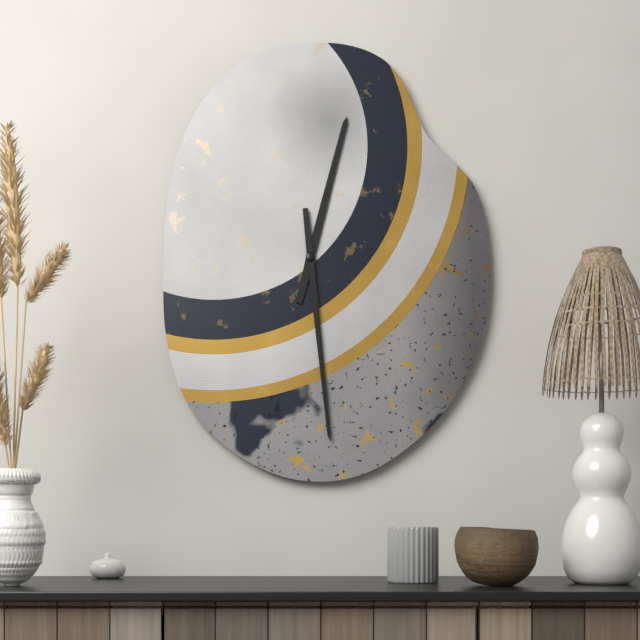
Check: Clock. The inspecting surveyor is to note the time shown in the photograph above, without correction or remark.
12:29
